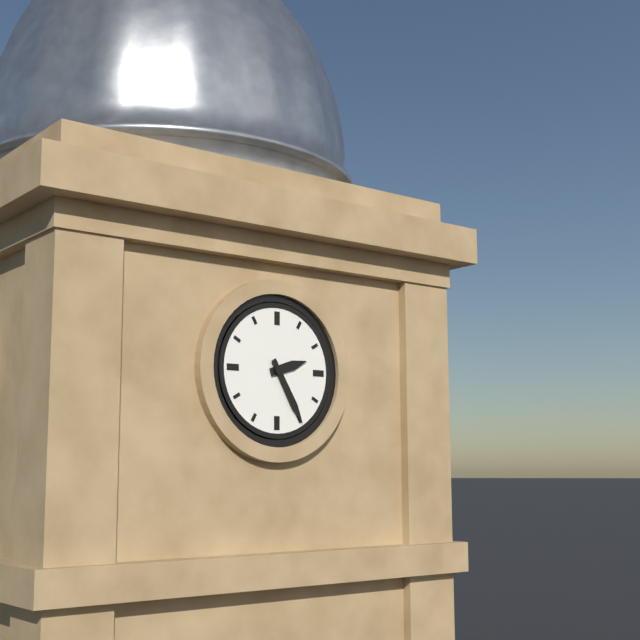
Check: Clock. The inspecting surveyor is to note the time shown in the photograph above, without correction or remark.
2:25
